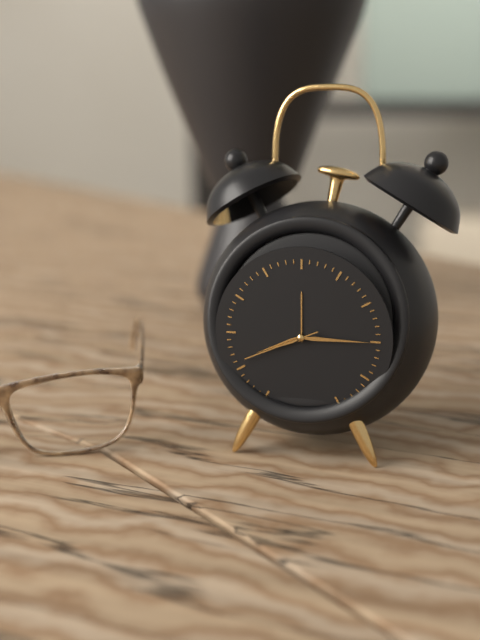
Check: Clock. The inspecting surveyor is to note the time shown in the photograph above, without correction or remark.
8:15:41
